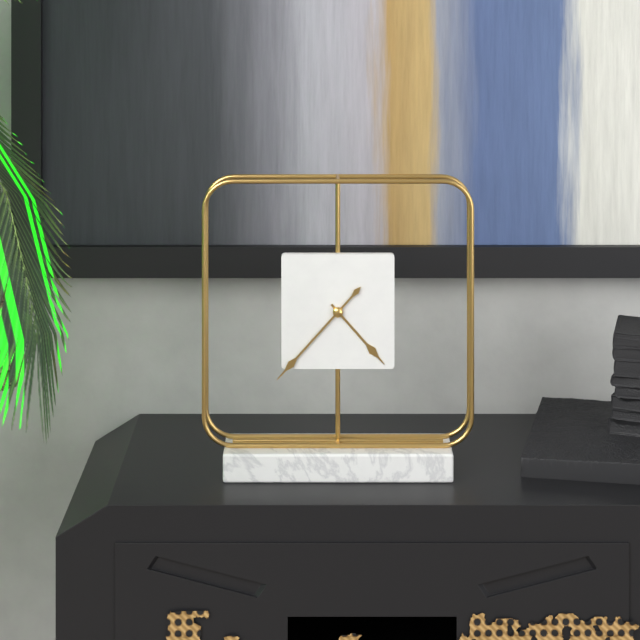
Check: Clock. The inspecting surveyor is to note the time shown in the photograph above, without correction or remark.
4:37
